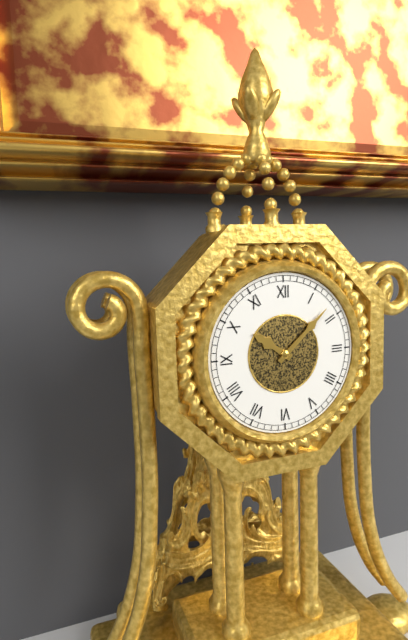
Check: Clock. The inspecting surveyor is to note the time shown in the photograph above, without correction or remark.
10:08
